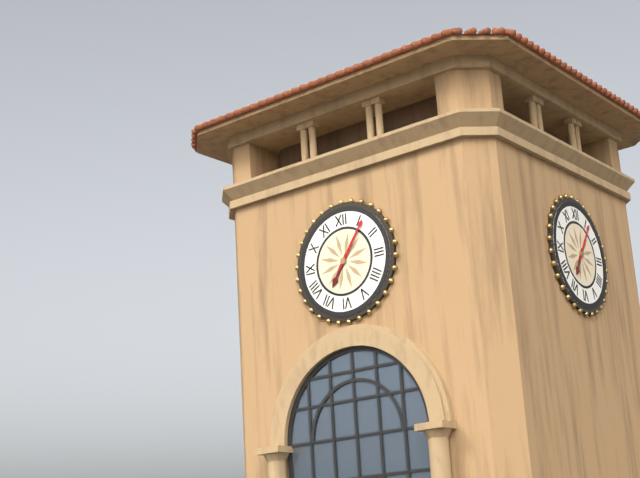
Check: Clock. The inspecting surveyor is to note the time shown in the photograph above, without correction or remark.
7:06
